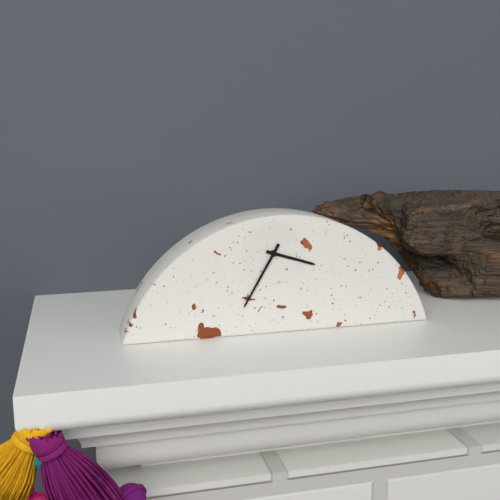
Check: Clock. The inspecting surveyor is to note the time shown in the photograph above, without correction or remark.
3:35
